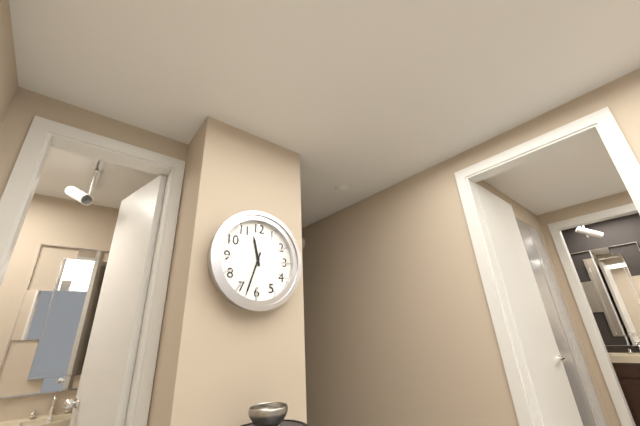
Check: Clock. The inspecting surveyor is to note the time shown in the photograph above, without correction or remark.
11:33
